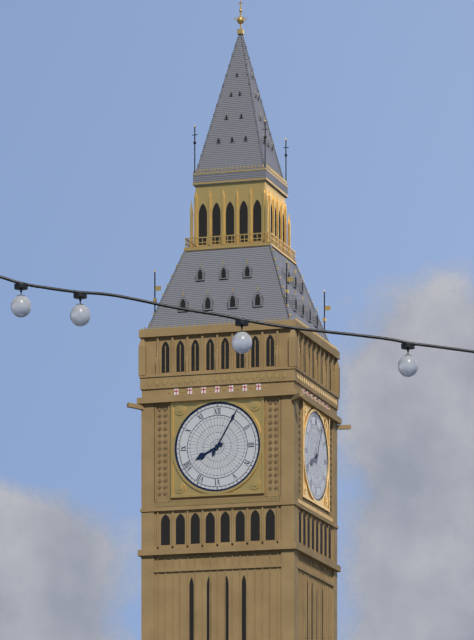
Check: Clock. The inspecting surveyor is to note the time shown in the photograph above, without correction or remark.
8:05
